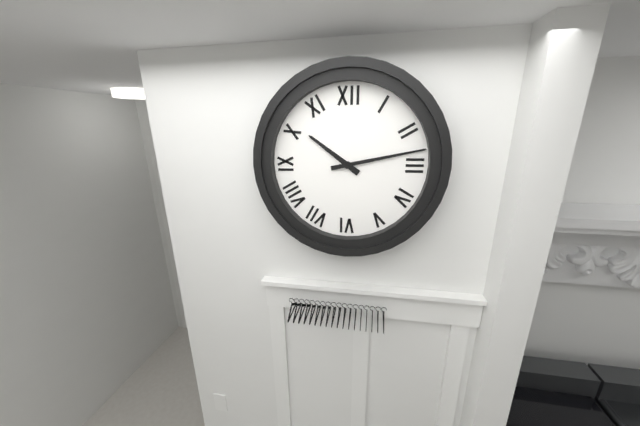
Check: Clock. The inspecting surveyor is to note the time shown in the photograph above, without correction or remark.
10:13
